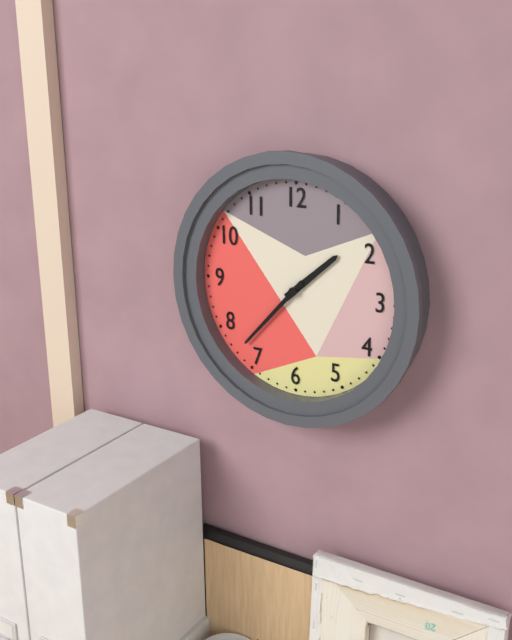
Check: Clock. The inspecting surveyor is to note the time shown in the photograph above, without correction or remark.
1:37
